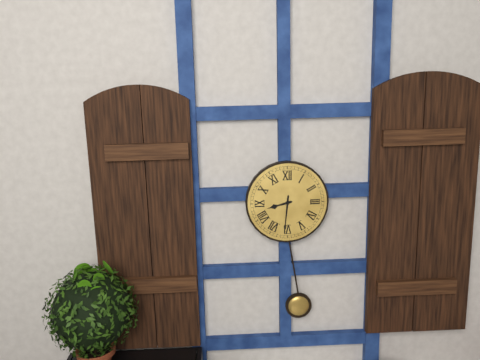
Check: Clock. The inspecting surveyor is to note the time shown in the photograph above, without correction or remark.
8:31
